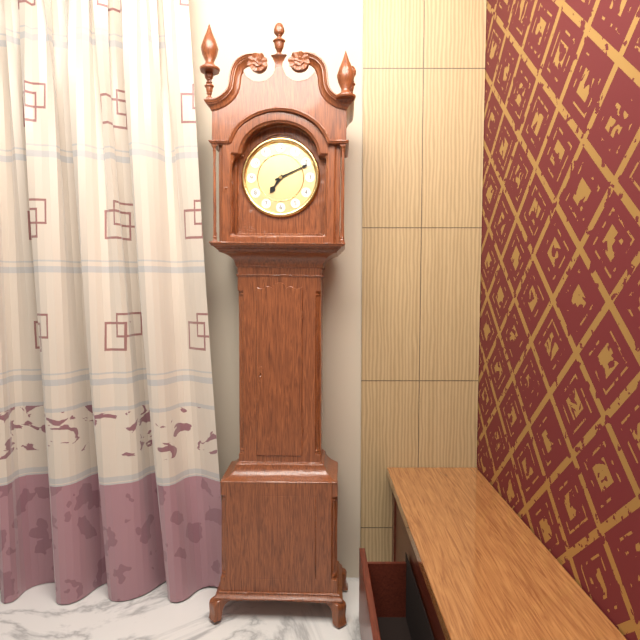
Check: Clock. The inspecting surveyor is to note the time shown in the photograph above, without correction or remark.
7:11
